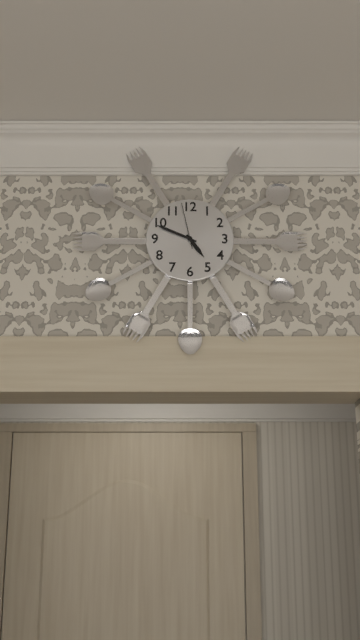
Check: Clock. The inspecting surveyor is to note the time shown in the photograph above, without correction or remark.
4:49
